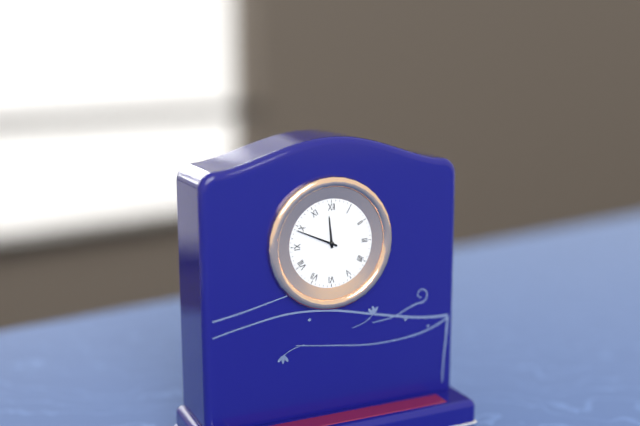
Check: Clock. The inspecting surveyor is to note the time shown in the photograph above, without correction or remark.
11:49
